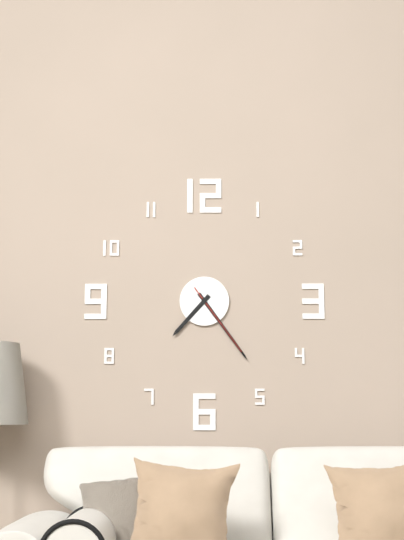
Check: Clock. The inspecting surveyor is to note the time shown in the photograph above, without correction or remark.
7:24:24
